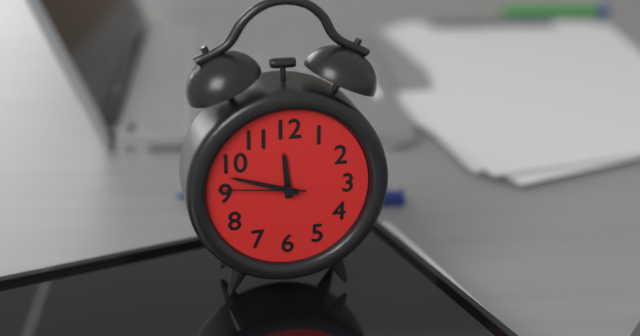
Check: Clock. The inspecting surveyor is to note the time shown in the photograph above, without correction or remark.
11:48:46
